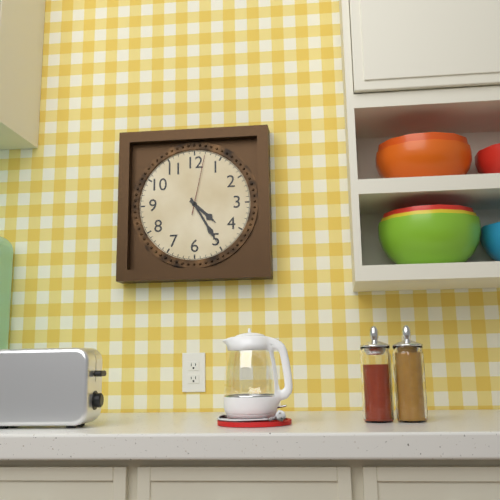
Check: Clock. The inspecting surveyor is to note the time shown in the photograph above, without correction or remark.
4:25:02
